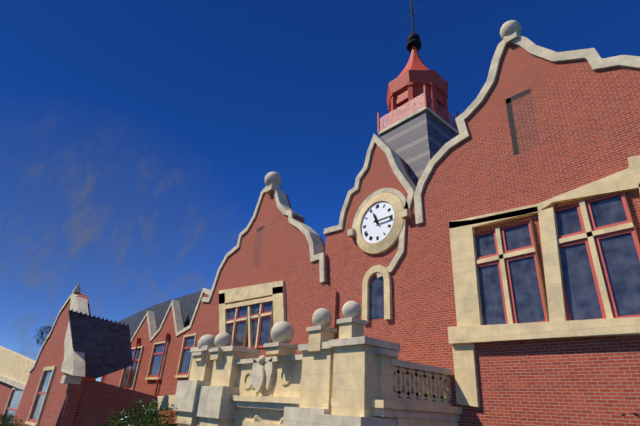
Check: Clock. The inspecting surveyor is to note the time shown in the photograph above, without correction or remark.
11:15
